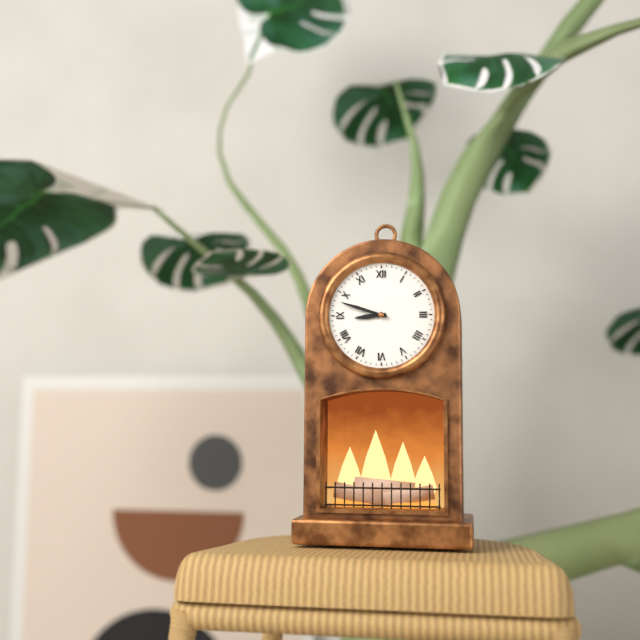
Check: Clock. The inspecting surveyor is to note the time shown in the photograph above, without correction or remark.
8:48
